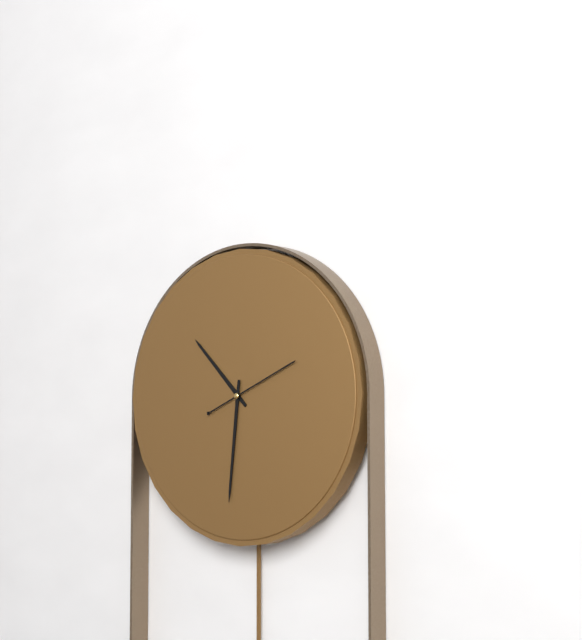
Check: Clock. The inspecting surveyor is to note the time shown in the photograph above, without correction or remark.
10:31:11
